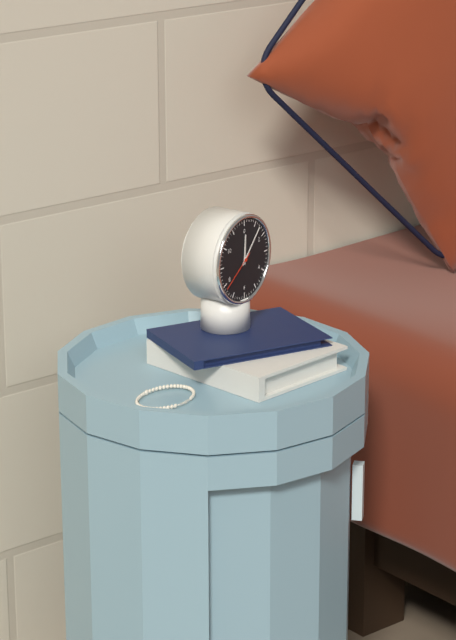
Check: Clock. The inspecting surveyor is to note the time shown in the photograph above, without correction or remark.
12:07
